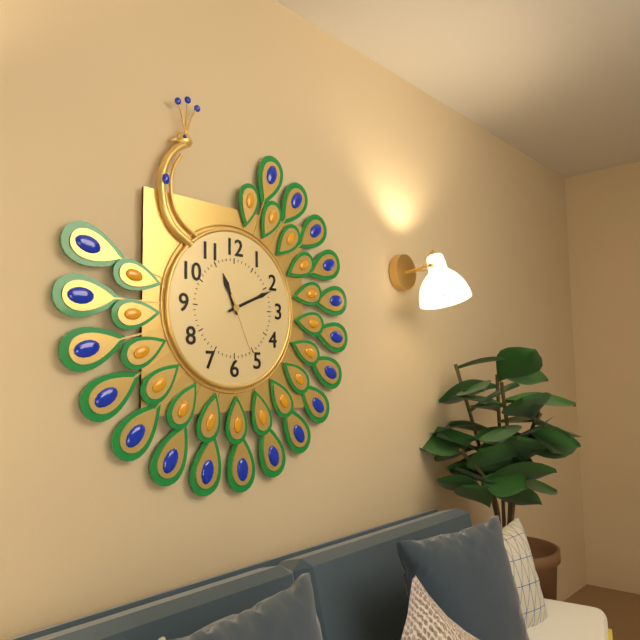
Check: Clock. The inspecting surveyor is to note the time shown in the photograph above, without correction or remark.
11:11:26
